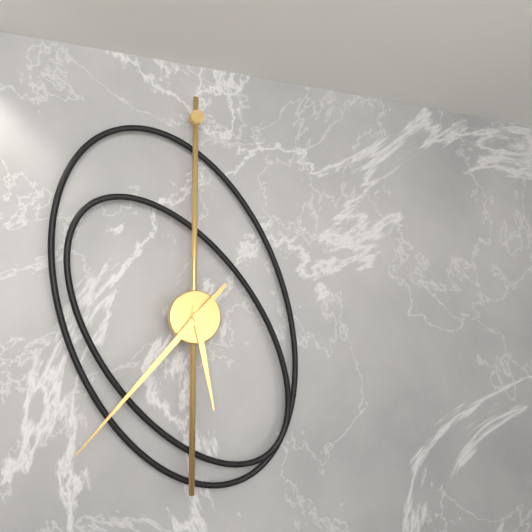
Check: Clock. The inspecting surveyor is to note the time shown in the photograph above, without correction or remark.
5:37
